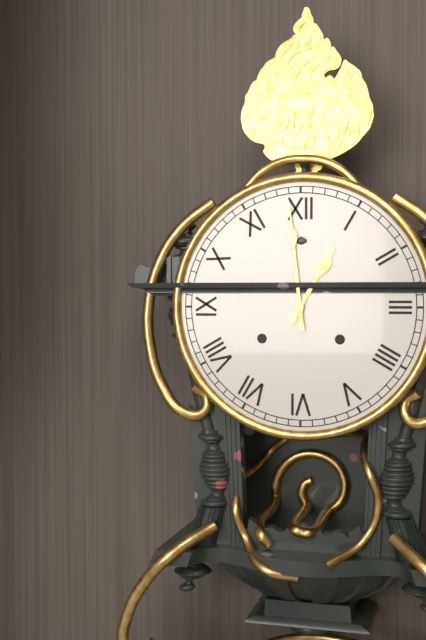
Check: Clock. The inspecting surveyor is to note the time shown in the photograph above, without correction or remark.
12:59
